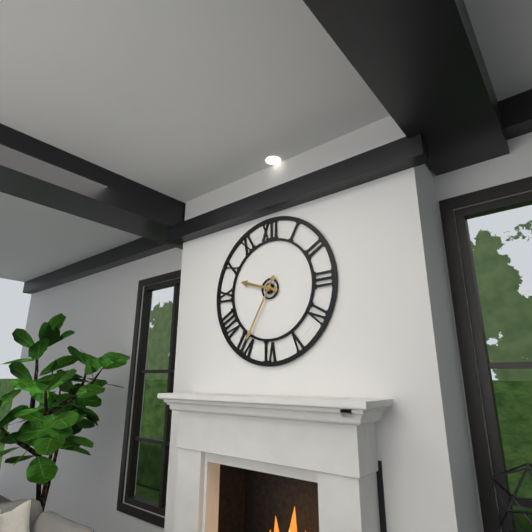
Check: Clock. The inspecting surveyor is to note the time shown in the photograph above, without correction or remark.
9:35
